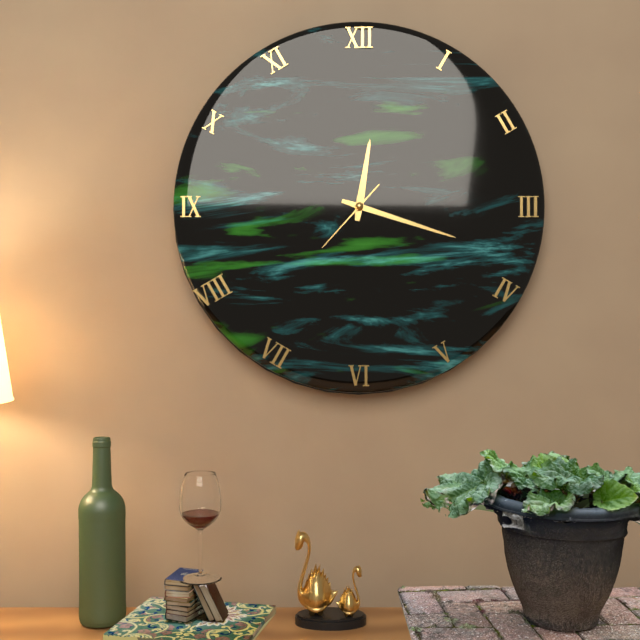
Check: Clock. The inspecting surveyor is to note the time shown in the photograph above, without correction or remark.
12:18:37
